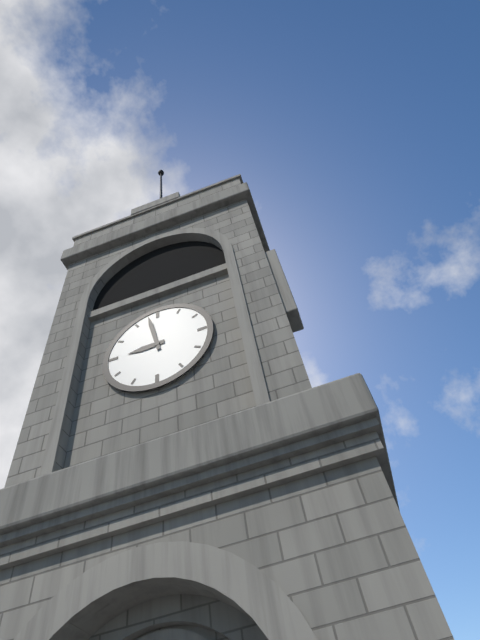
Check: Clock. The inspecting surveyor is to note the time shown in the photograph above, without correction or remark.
8:58
